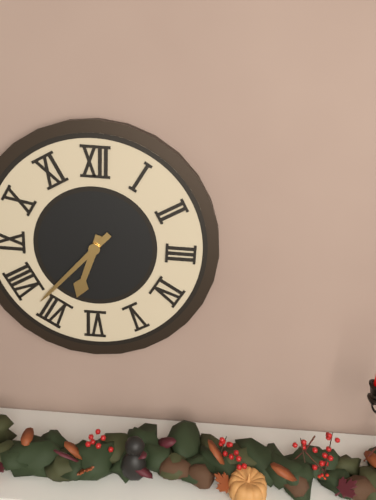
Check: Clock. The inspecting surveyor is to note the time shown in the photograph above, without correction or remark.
6:37
